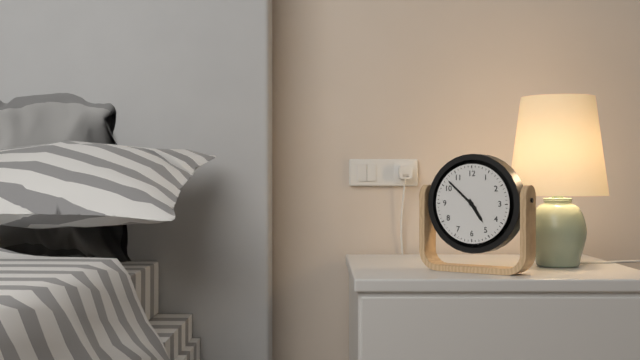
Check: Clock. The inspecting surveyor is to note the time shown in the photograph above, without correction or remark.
4:52
